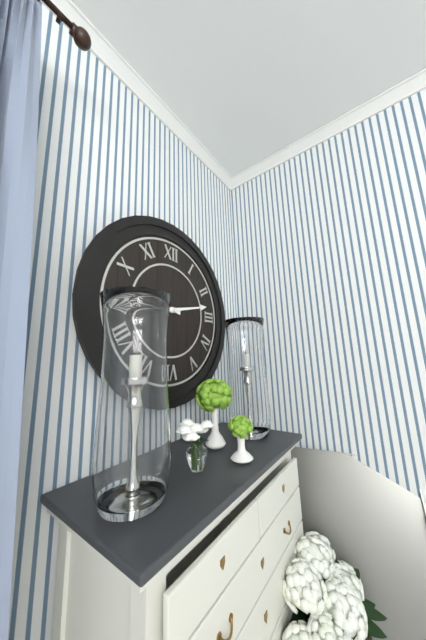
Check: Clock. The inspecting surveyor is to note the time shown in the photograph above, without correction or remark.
9:13
